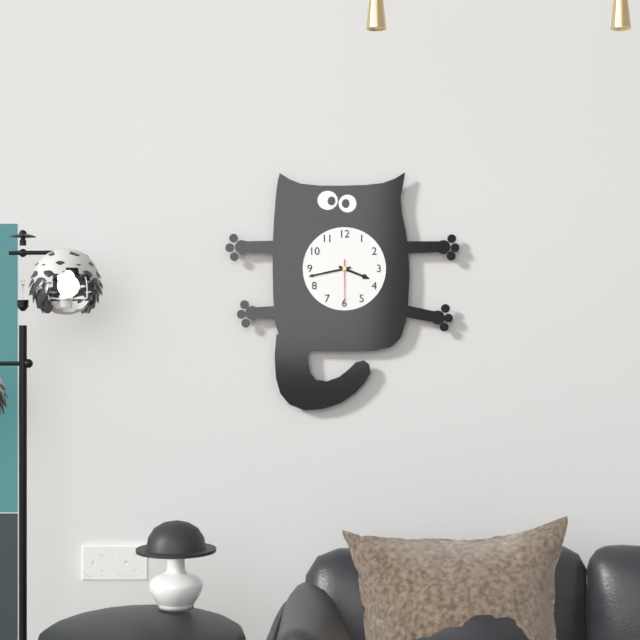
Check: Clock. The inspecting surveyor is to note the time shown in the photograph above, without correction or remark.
3:43
